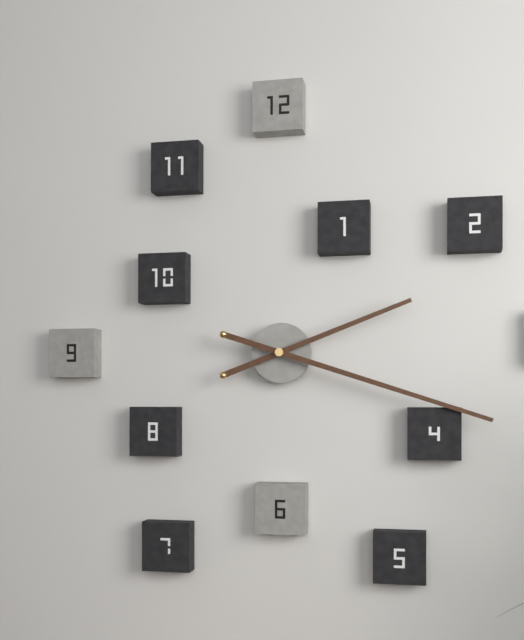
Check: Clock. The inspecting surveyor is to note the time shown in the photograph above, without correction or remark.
2:18
